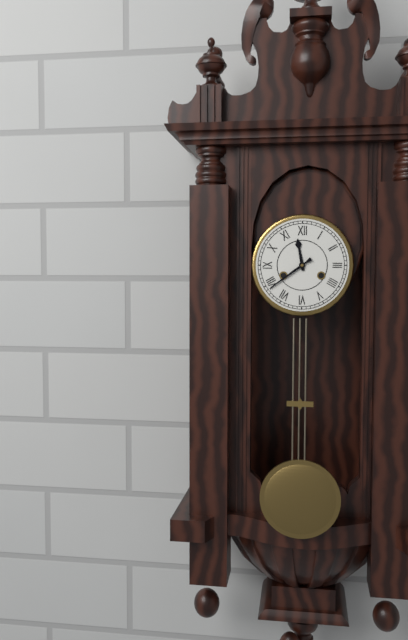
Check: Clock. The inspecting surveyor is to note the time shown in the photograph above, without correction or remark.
11:39
